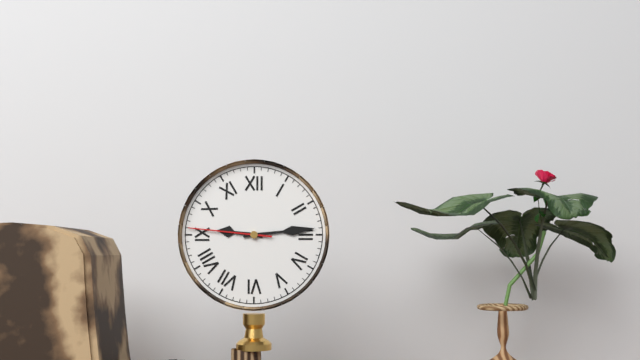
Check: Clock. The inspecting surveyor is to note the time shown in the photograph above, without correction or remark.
9:14:46
